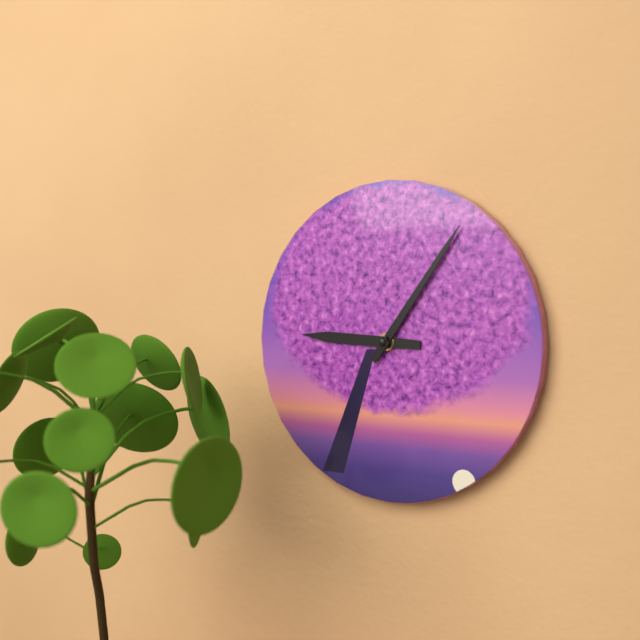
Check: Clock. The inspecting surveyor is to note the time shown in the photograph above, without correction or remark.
9:06
